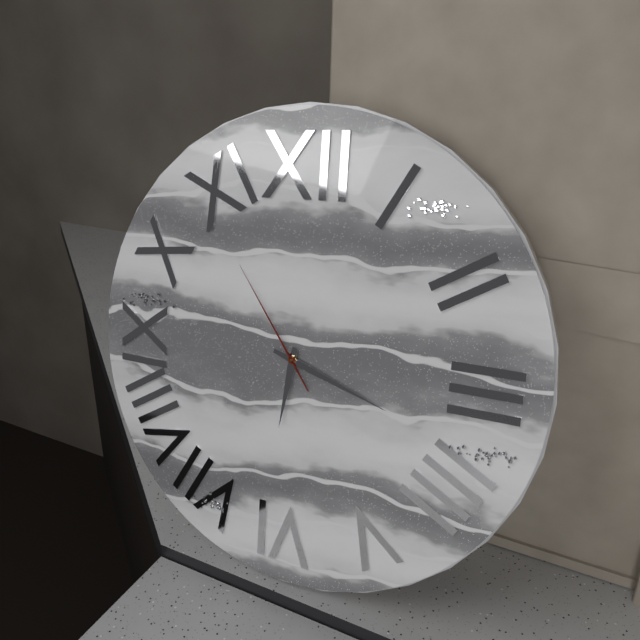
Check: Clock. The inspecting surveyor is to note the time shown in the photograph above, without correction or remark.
6:18:54
